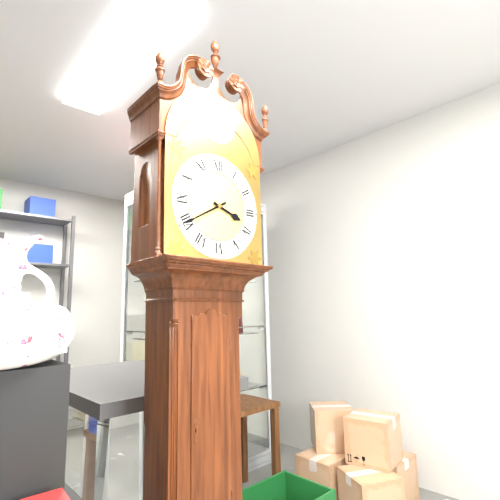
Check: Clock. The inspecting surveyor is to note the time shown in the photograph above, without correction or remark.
3:40
